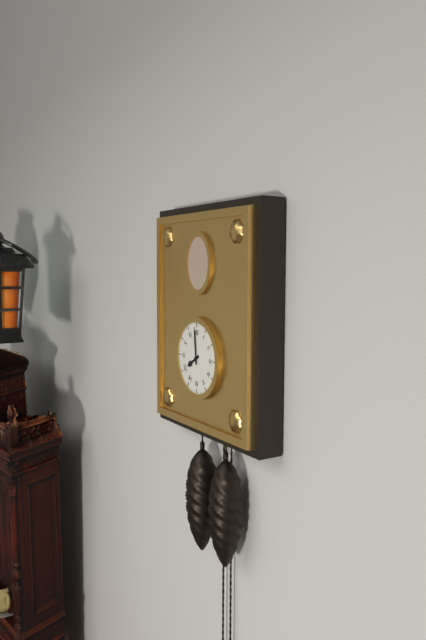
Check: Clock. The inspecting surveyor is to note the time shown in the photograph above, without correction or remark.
7:59
